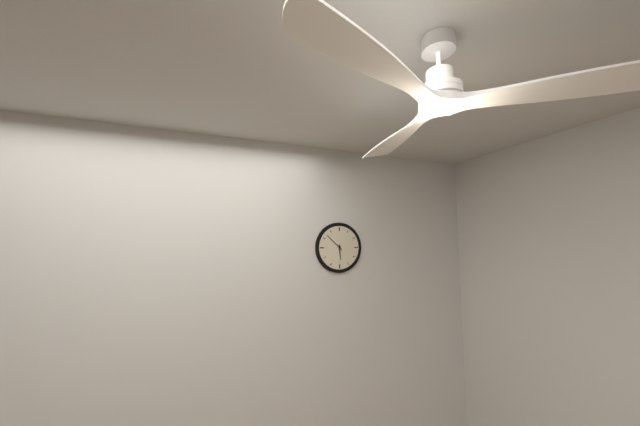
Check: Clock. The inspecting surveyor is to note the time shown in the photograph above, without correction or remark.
5:52
